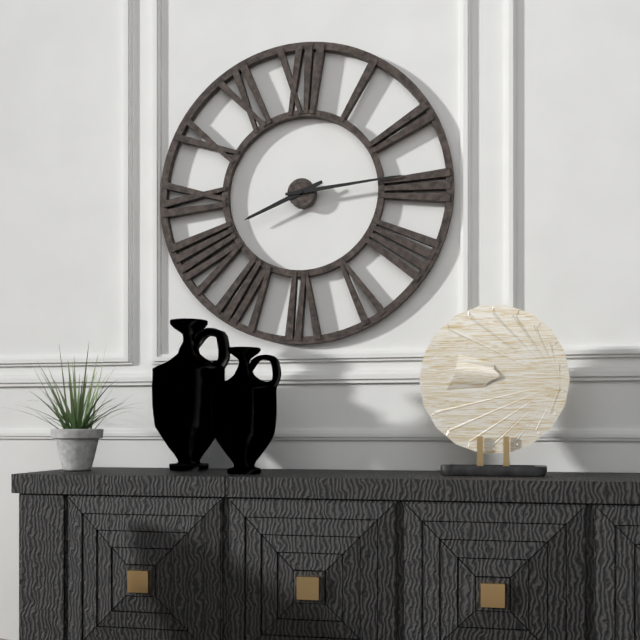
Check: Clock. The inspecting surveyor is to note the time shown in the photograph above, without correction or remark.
8:14
